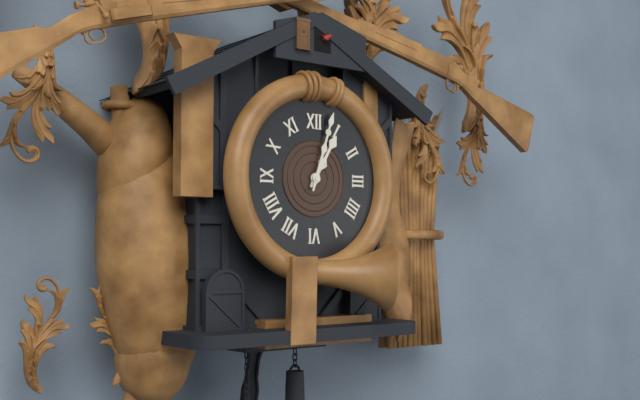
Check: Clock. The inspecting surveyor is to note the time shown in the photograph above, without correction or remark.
1:03
